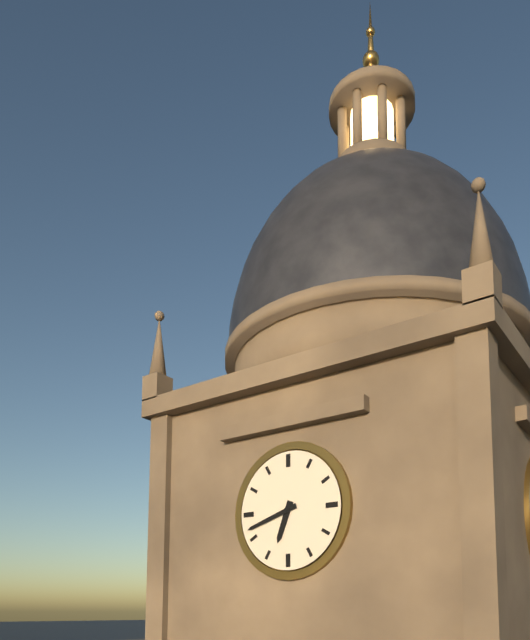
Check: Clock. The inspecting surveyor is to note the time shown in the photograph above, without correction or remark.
6:42
